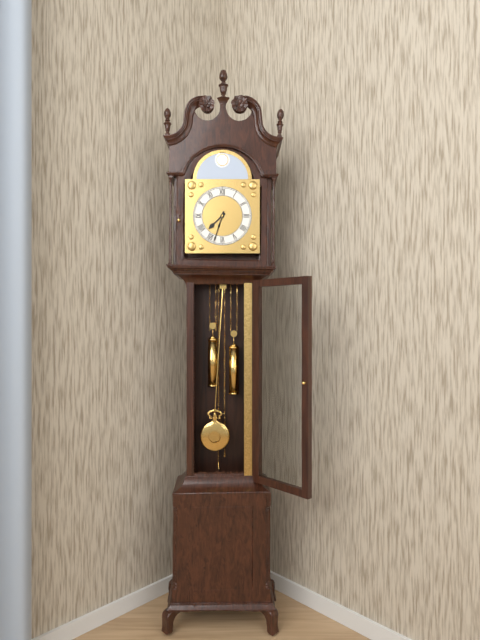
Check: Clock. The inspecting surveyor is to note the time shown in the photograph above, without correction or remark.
7:33
